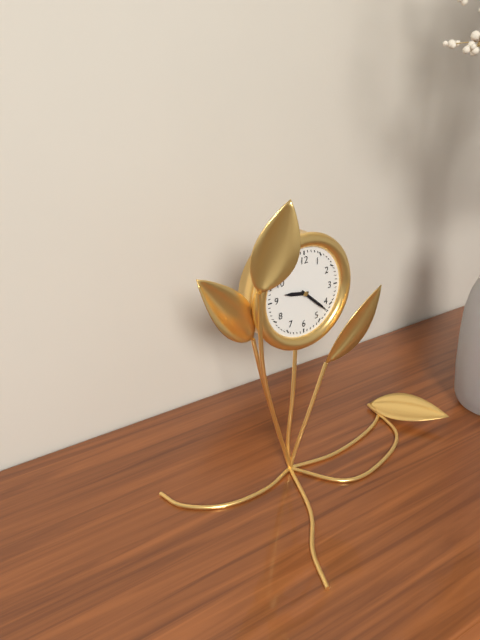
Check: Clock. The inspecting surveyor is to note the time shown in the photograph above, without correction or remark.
9:22
